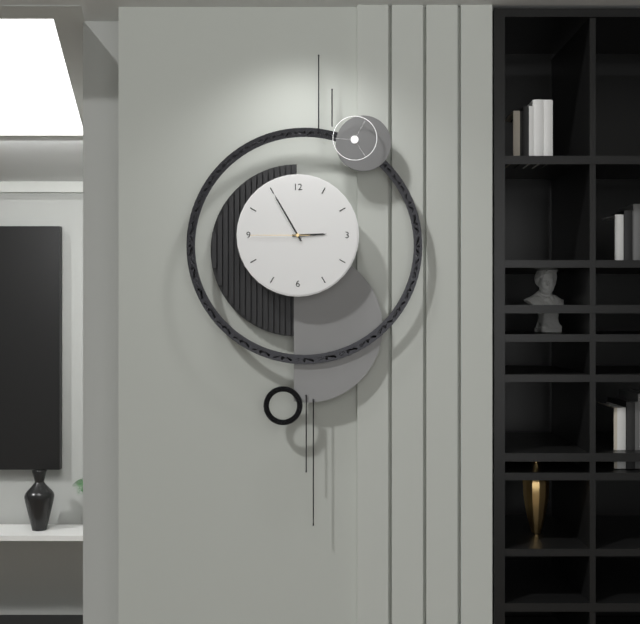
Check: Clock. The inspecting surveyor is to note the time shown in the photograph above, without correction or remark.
2:55:45
